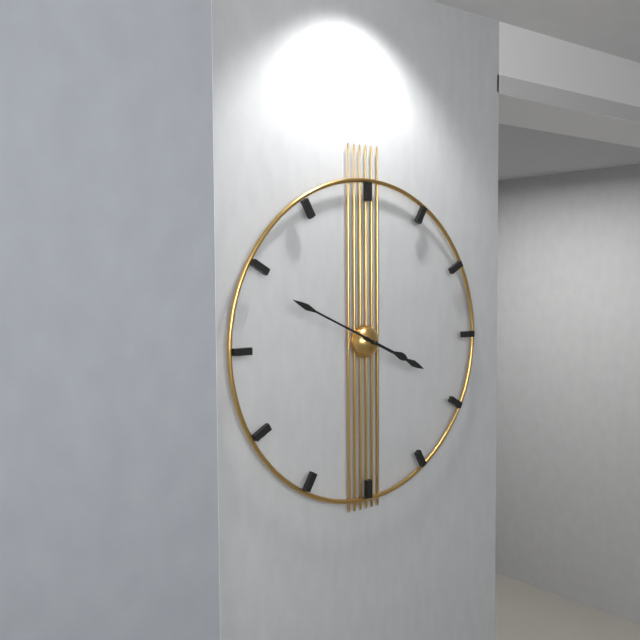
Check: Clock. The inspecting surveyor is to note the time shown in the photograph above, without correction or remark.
3:49
